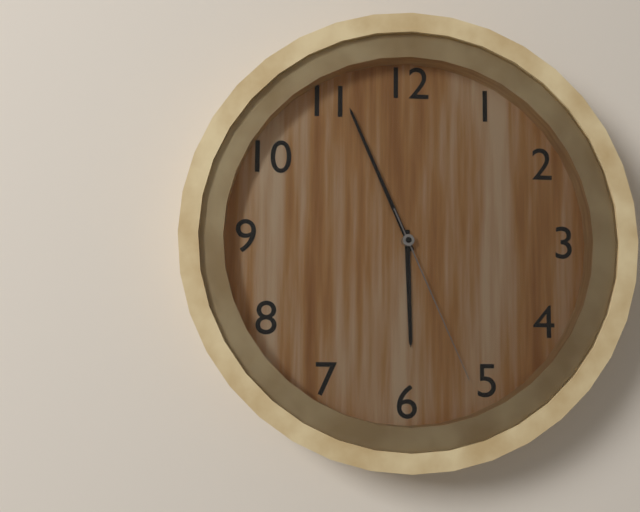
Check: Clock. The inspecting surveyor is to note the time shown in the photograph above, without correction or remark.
5:56:26
